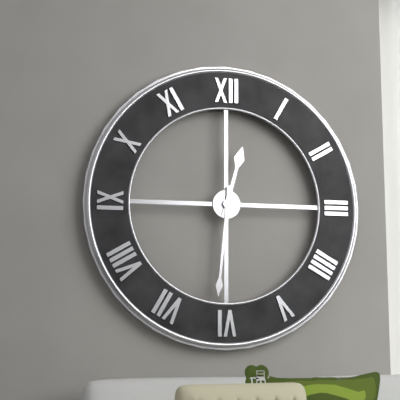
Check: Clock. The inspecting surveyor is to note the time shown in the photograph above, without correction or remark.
12:31
